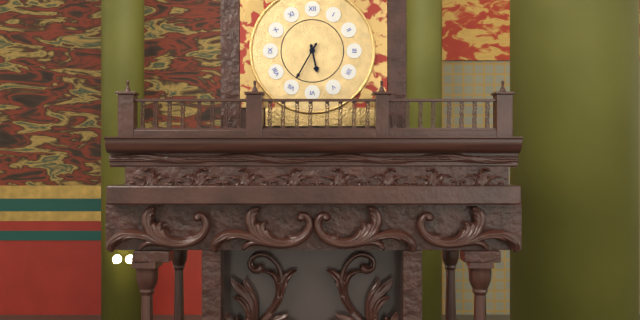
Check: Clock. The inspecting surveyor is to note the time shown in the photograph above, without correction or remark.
5:35
